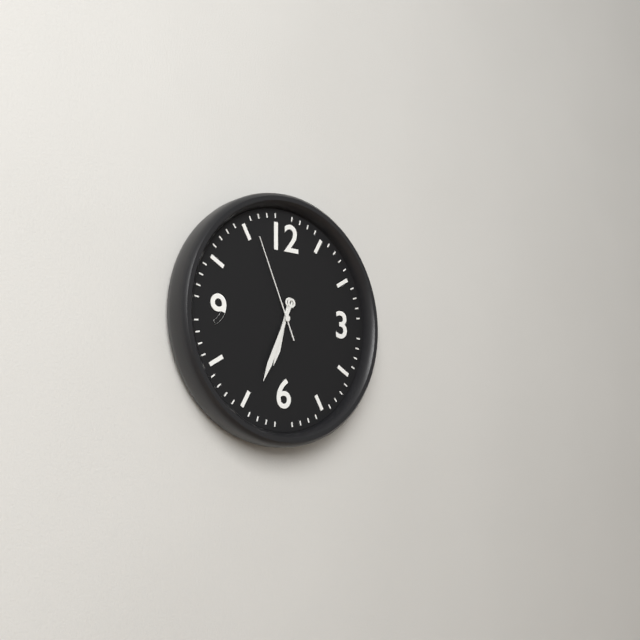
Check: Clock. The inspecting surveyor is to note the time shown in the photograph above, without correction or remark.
6:34:56
